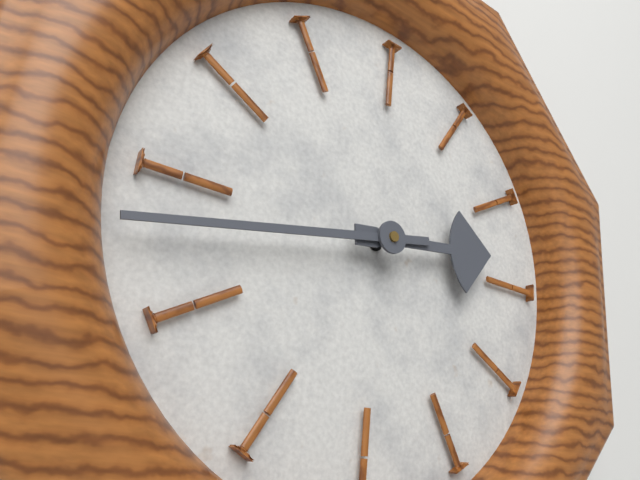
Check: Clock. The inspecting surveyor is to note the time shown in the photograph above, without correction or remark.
2:43
